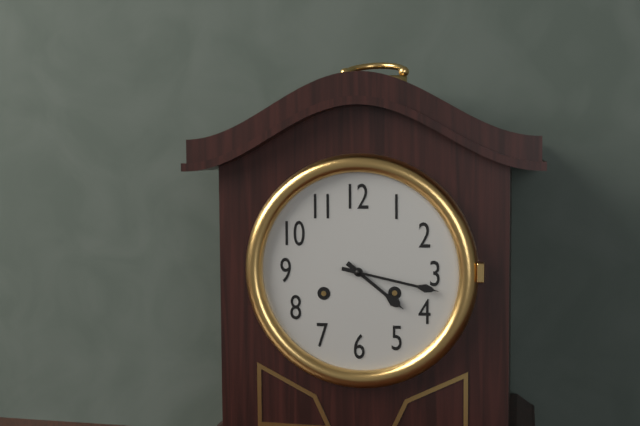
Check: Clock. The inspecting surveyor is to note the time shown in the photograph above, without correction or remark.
4:17
